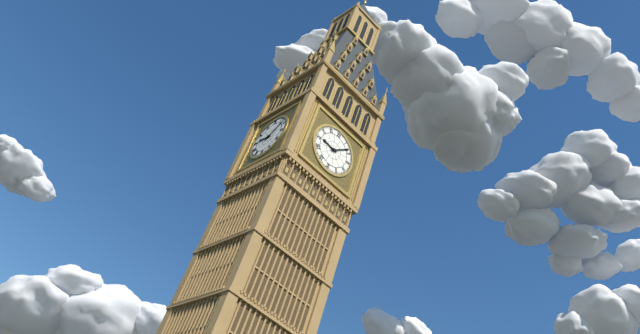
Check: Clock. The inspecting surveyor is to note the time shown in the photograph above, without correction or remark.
9:08
